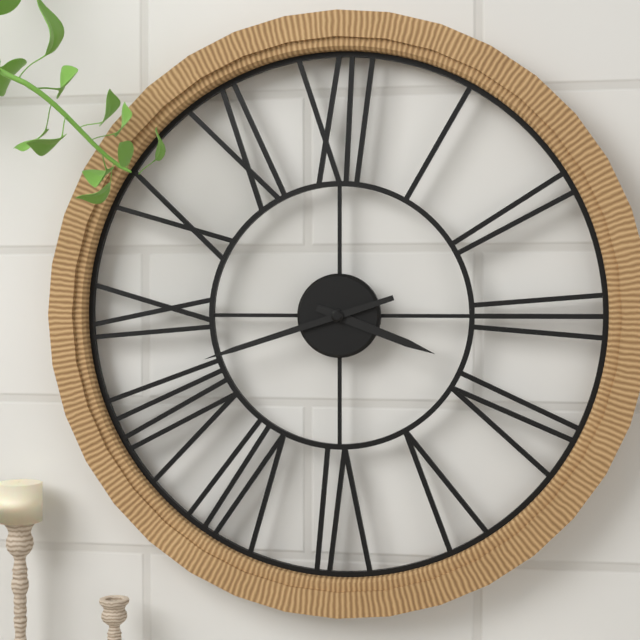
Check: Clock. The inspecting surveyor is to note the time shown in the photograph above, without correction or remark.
3:42
